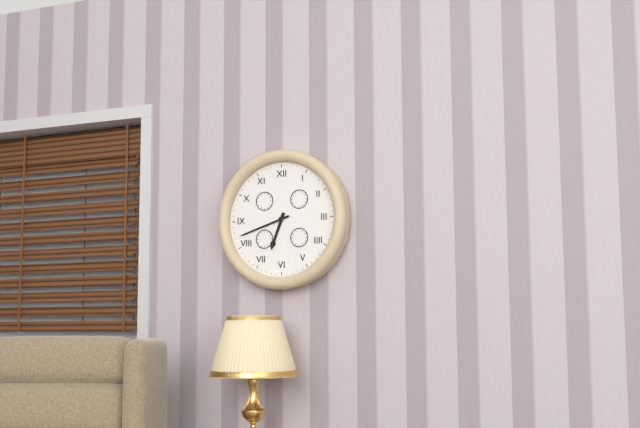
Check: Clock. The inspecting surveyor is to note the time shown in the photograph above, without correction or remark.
6:42
